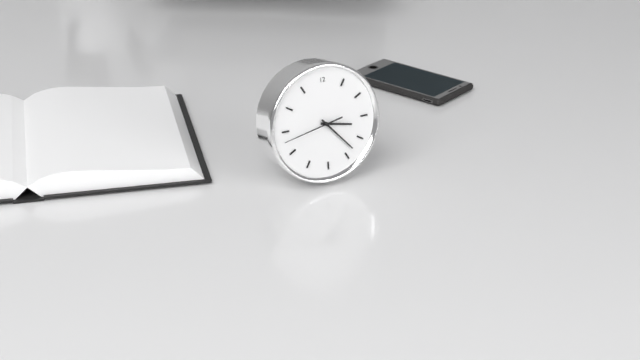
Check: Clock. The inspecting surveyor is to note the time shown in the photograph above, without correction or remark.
3:23:43
